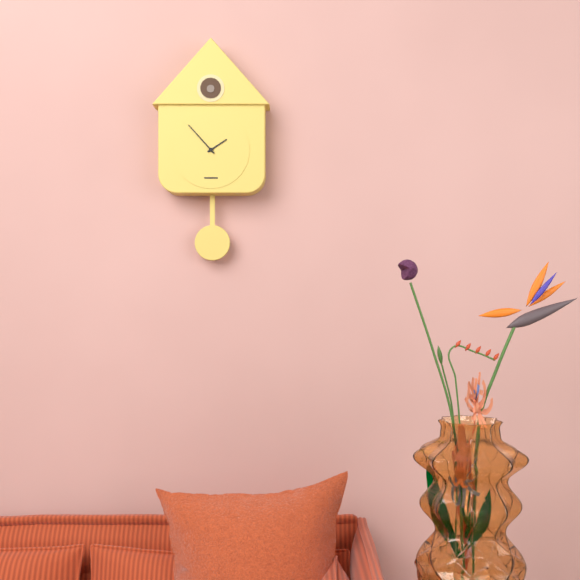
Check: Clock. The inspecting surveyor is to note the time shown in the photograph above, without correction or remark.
1:53
